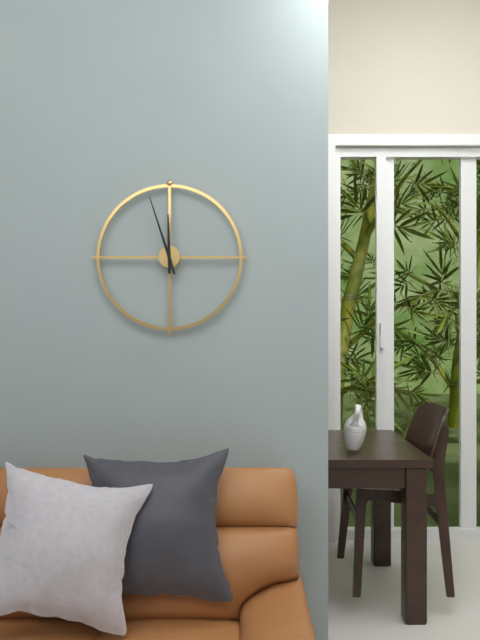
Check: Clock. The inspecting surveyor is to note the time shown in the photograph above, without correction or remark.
11:57
